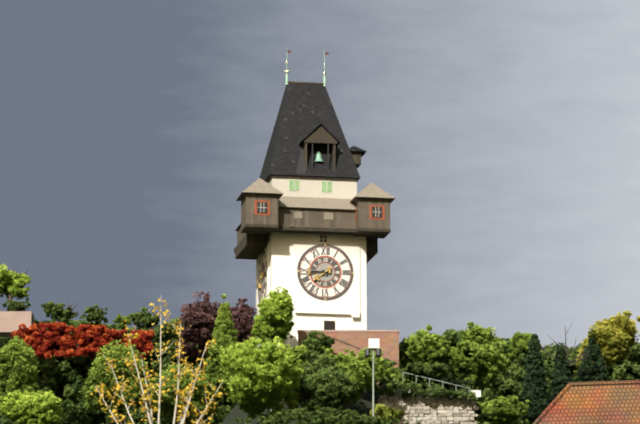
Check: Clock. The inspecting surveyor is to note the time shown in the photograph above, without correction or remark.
7:45
